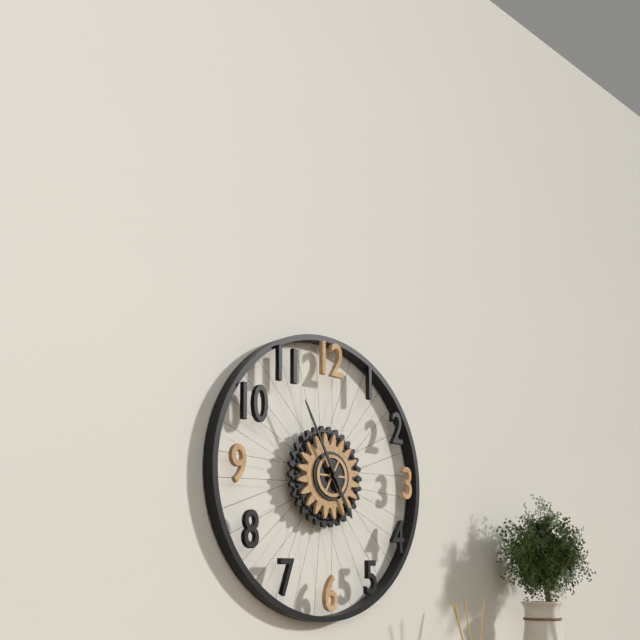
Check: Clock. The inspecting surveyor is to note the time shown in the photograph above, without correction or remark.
4:55
